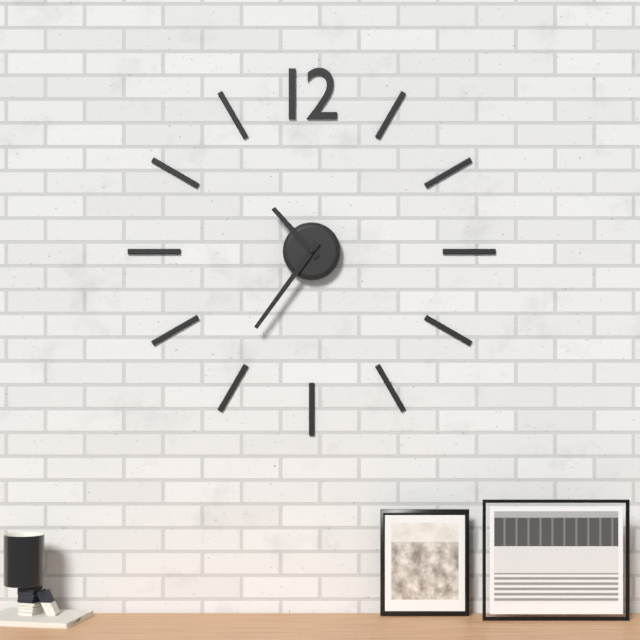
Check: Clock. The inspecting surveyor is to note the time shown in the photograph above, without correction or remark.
10:36
